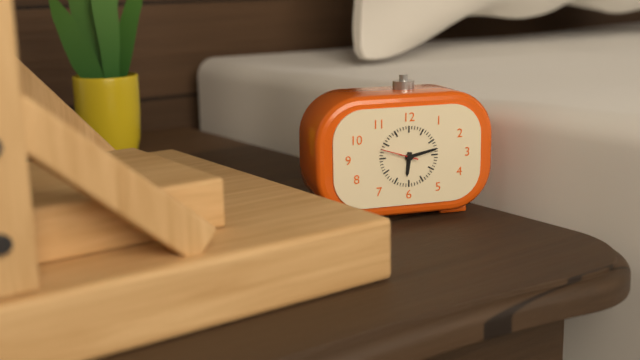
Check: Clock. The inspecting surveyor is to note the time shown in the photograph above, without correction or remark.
6:13
